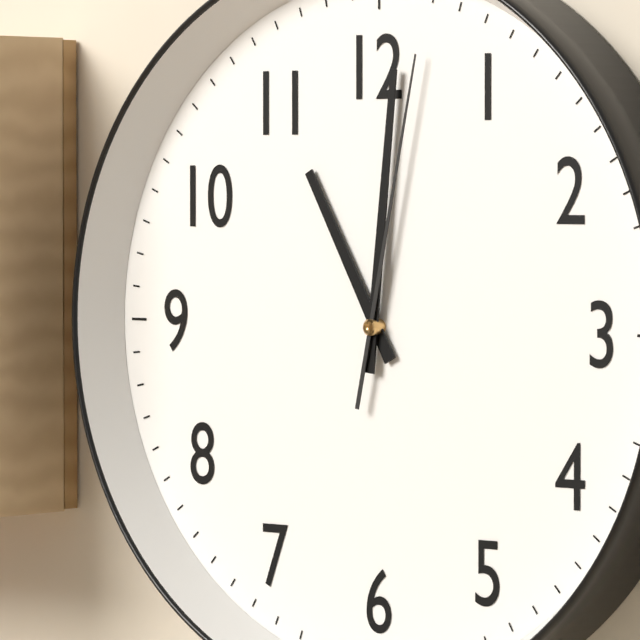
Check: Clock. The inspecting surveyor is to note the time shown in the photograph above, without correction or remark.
11:01:02
